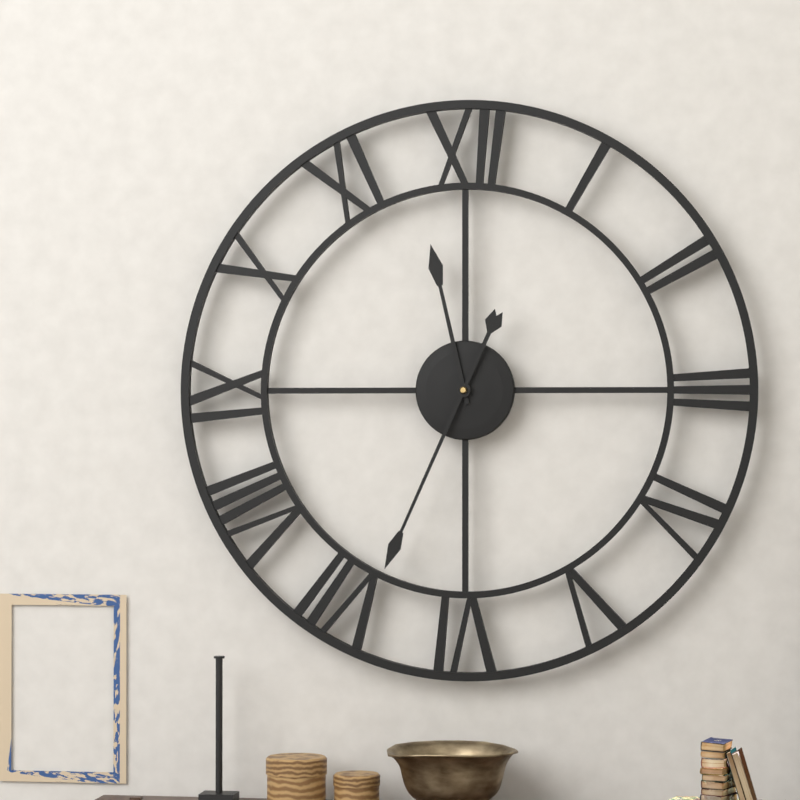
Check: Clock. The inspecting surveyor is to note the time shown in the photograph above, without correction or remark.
11:34
